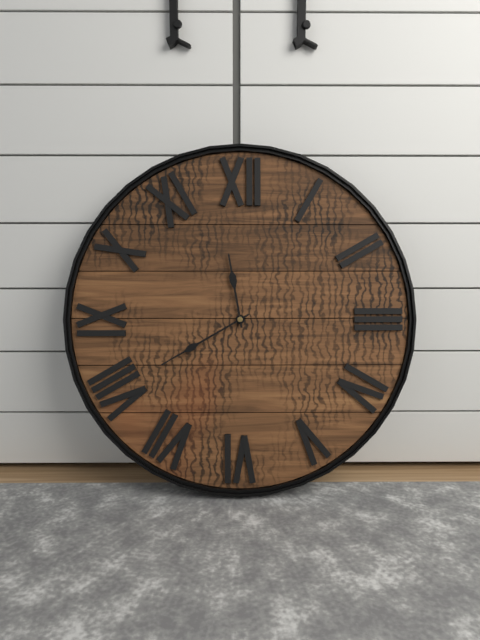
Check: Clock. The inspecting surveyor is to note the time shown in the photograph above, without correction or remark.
11:40
